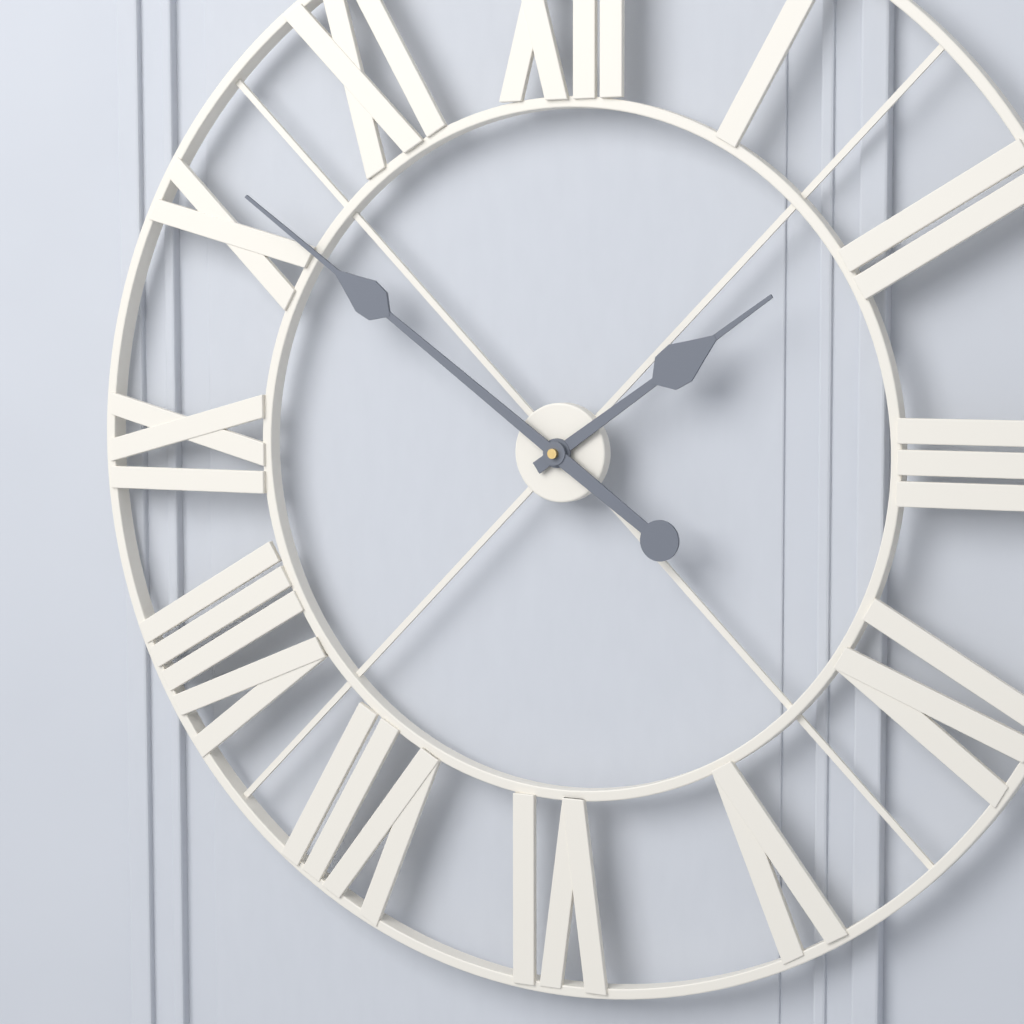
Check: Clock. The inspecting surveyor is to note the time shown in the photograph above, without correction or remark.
1:51
